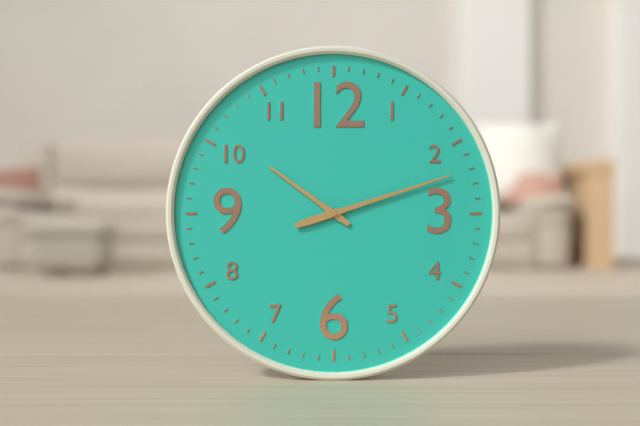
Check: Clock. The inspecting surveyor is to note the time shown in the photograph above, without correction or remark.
10:12
